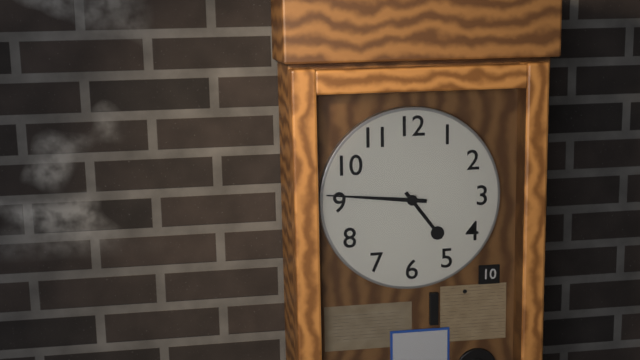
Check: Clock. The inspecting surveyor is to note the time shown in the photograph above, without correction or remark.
4:46
